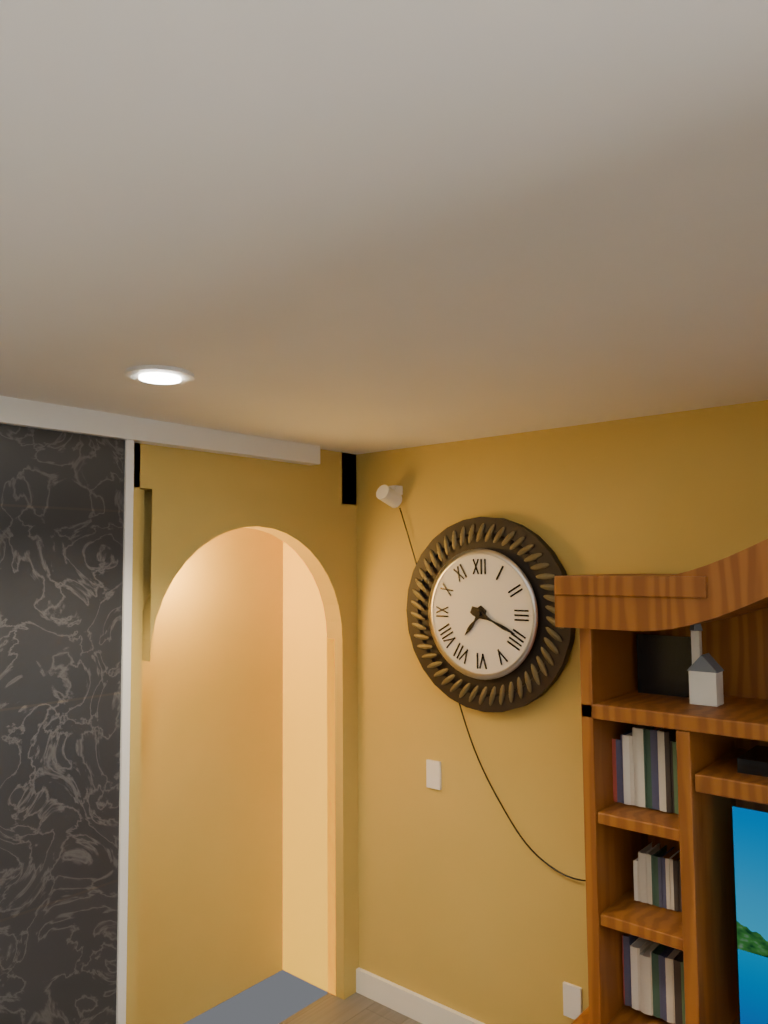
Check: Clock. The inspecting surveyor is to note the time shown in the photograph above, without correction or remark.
7:19
